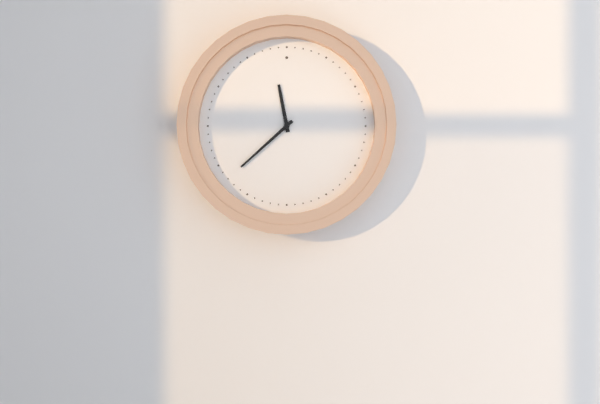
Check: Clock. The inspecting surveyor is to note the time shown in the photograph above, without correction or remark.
11:38
